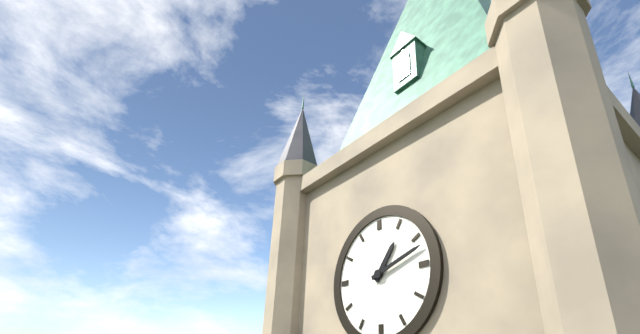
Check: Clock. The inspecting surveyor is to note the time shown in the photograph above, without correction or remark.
1:12
